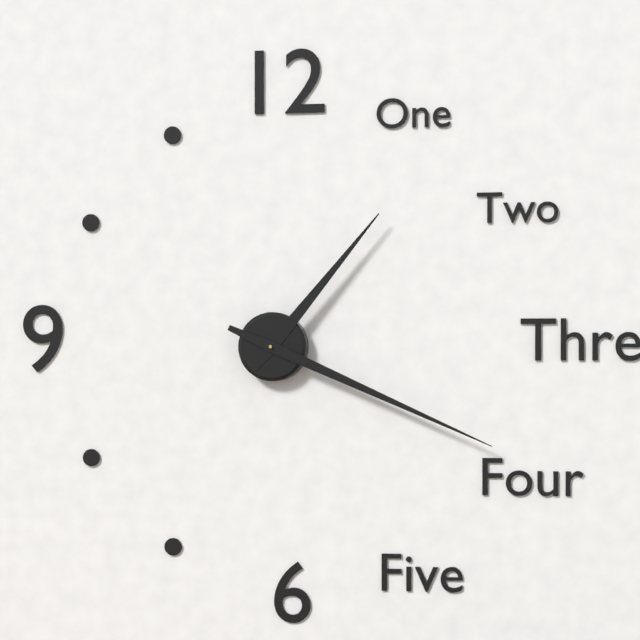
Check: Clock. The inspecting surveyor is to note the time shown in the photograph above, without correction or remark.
1:19
